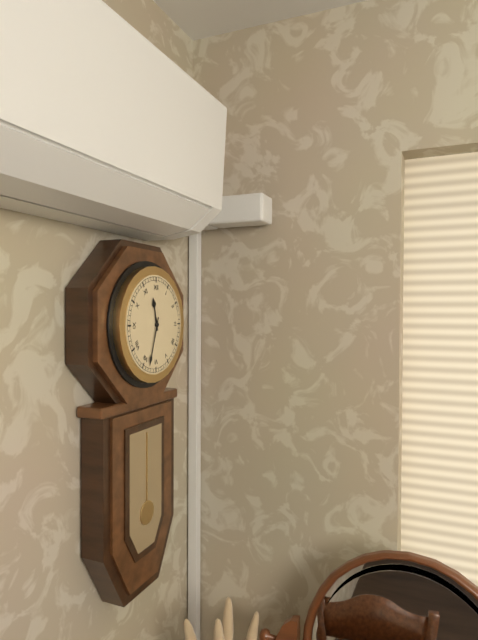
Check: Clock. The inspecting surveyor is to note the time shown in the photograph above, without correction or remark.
11:33
